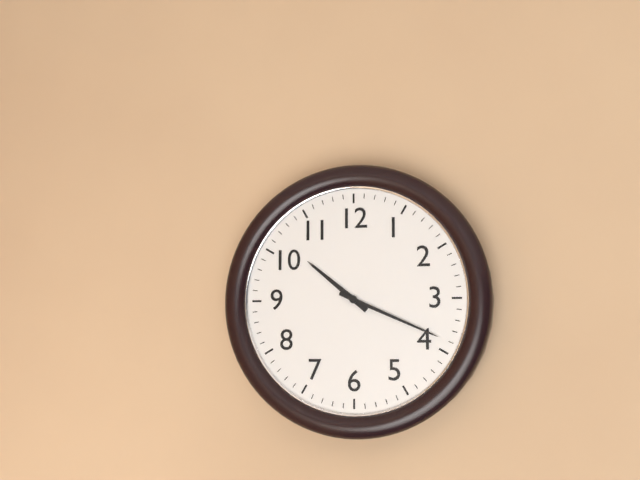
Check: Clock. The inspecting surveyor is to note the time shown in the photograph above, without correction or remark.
10:19
